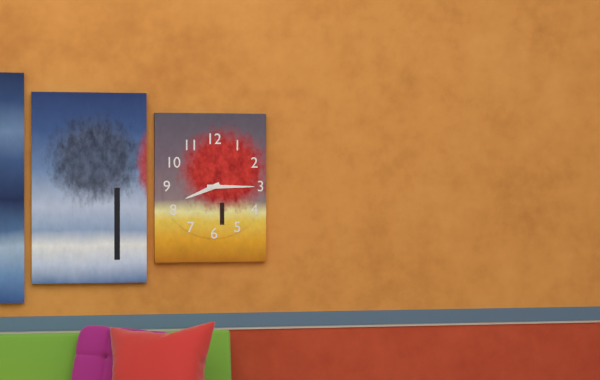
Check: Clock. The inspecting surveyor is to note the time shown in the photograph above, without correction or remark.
8:15
